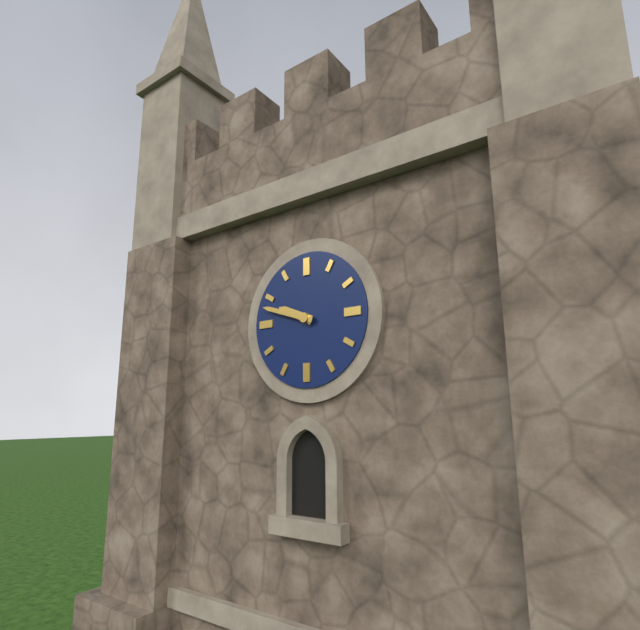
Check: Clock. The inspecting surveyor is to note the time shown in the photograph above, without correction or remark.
9:48
